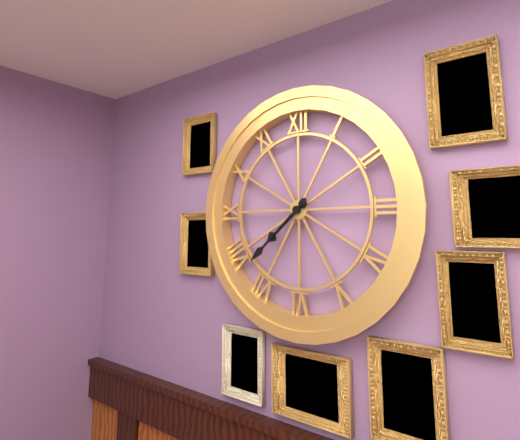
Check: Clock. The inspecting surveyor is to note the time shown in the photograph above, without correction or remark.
7:38
